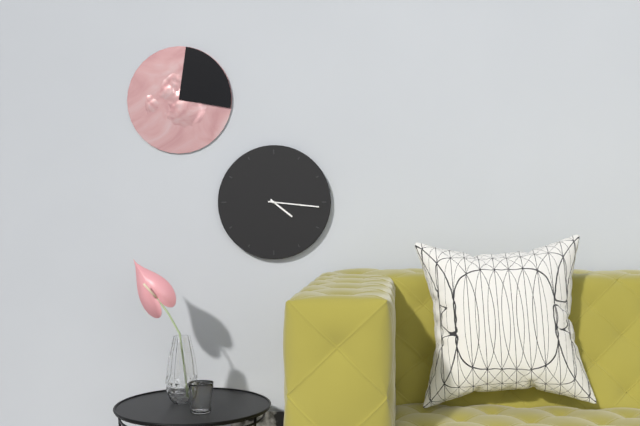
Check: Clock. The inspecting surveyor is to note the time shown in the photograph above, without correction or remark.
4:16
